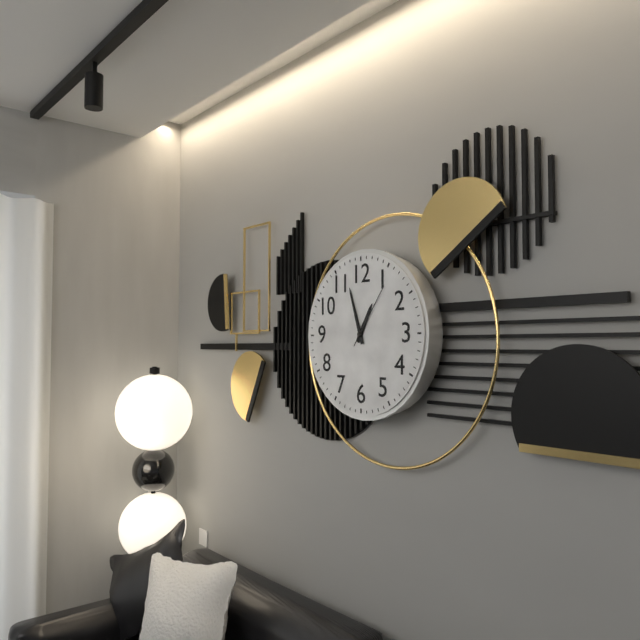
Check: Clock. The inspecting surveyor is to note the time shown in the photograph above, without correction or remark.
12:57:06
